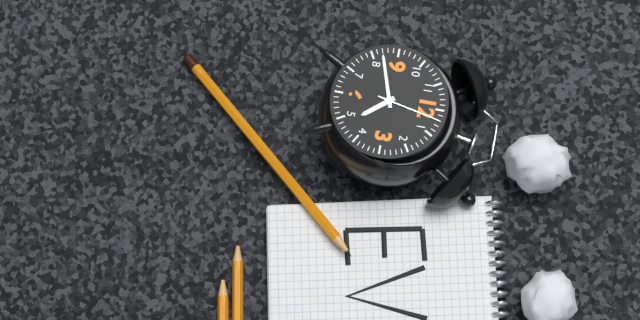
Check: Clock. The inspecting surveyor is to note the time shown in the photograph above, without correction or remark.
4:42:02
